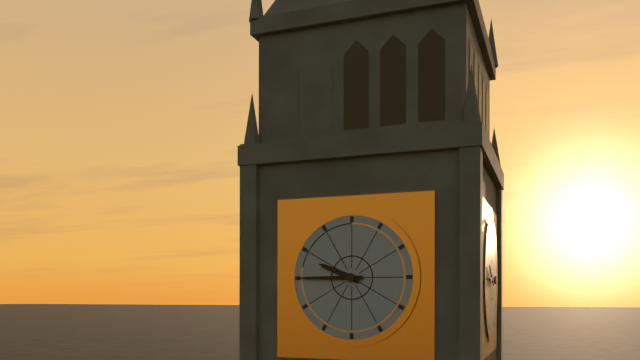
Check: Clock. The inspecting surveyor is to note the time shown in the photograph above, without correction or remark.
9:45
